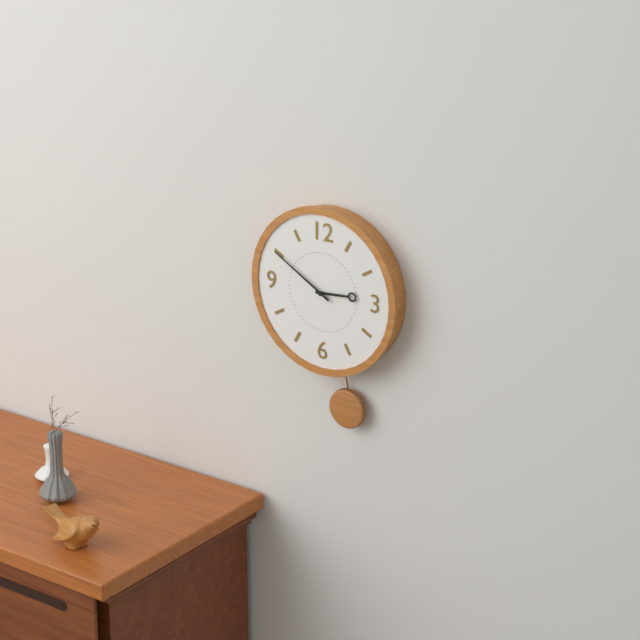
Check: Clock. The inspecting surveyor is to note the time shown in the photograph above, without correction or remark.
2:50
